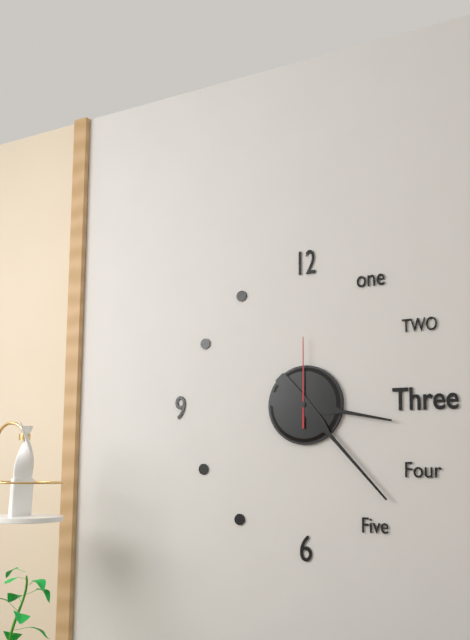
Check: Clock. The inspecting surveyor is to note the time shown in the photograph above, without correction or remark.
3:23:00
